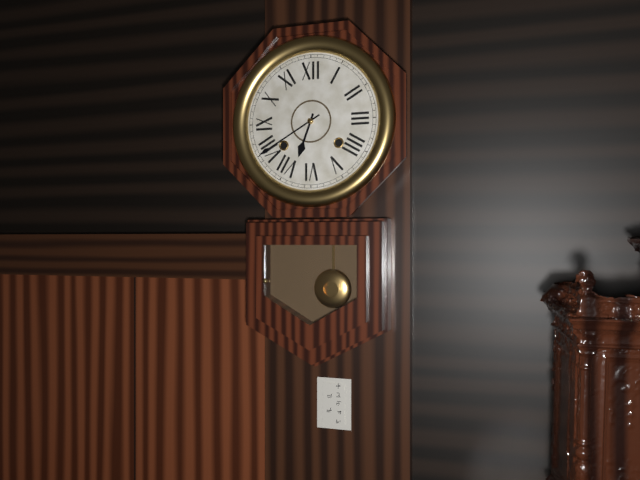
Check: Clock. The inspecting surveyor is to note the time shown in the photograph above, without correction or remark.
6:40
